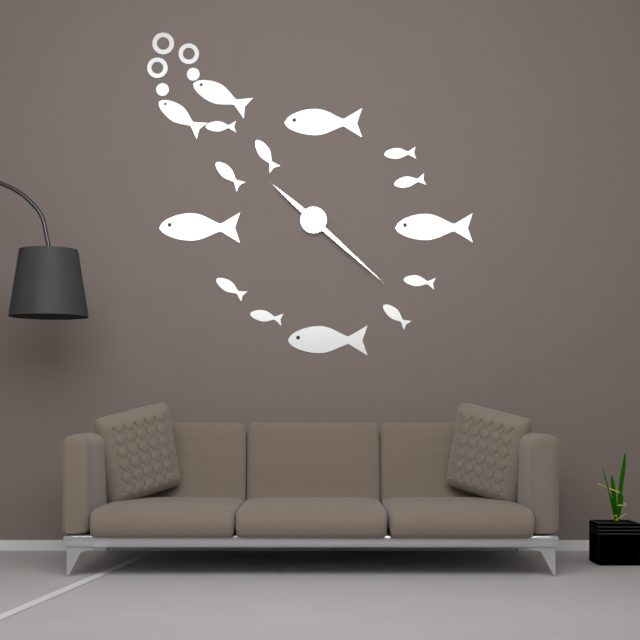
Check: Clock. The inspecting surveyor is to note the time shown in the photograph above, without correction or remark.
10:22
